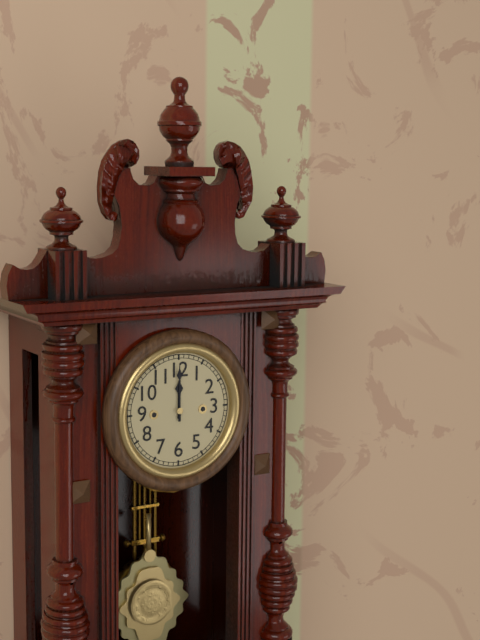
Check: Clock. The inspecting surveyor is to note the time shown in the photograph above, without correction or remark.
12:00
